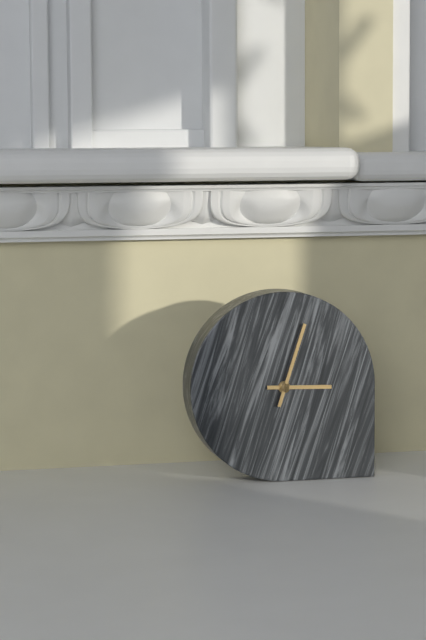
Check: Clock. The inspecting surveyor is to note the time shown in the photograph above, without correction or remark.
3:03
